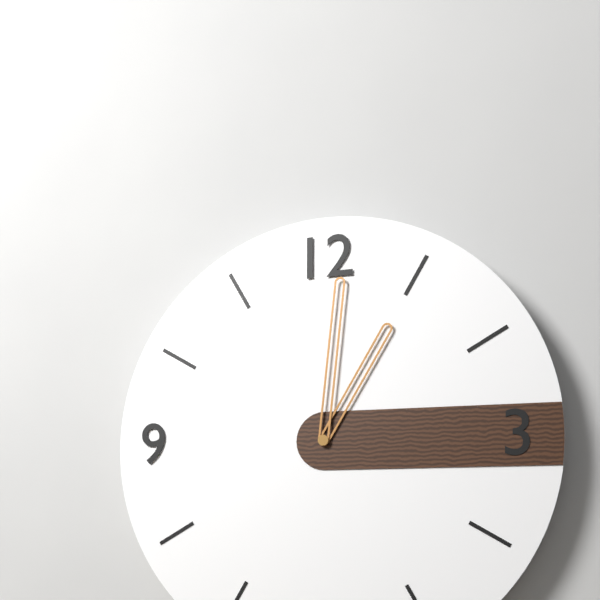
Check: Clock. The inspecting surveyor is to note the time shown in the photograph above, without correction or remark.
1:01
